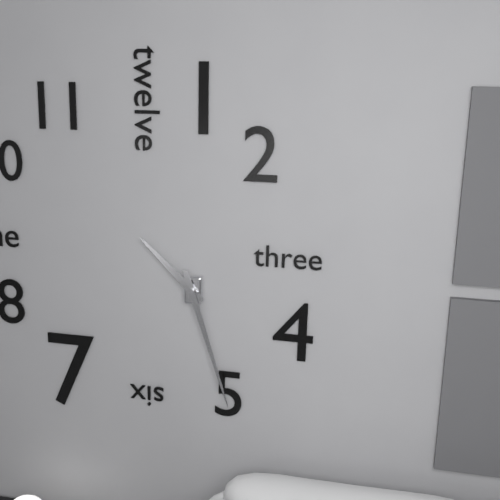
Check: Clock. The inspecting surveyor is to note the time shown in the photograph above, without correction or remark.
10:27
